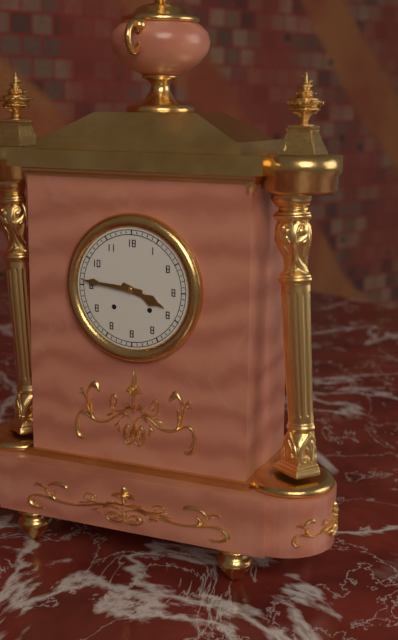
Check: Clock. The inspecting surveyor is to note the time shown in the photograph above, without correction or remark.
3:46
